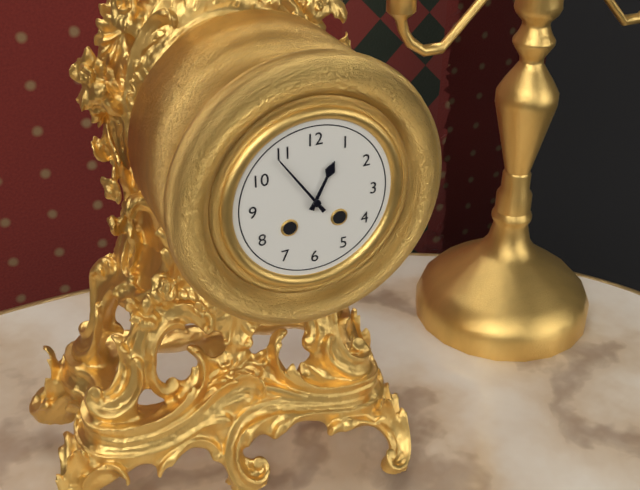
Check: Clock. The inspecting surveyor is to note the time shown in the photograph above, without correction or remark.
12:54
